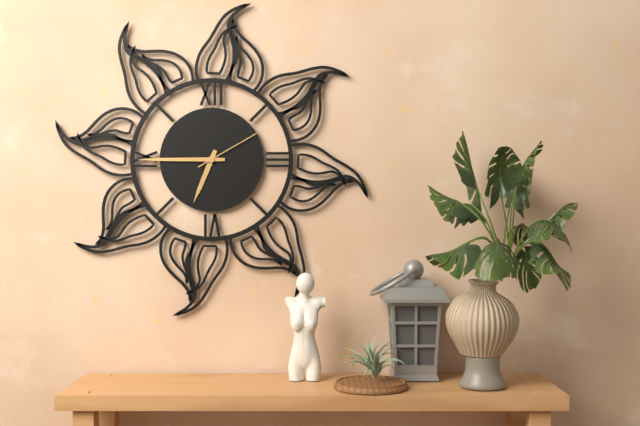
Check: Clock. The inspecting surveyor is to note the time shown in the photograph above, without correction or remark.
6:45:10
